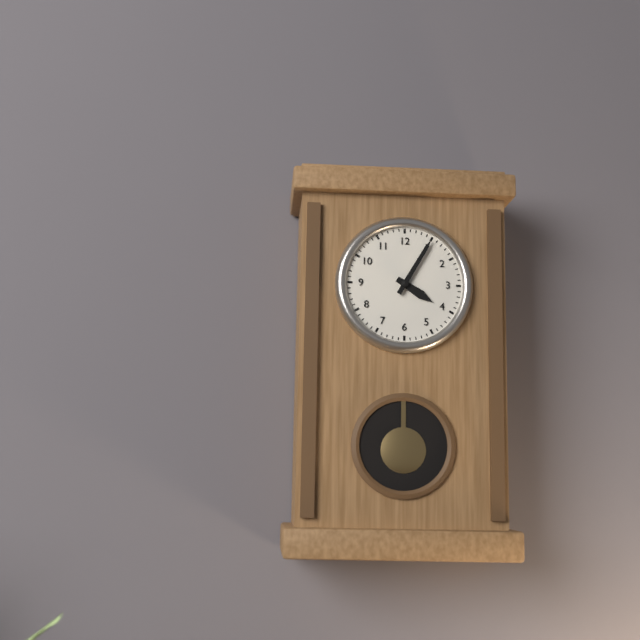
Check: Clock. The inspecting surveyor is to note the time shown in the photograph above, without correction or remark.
4:05
